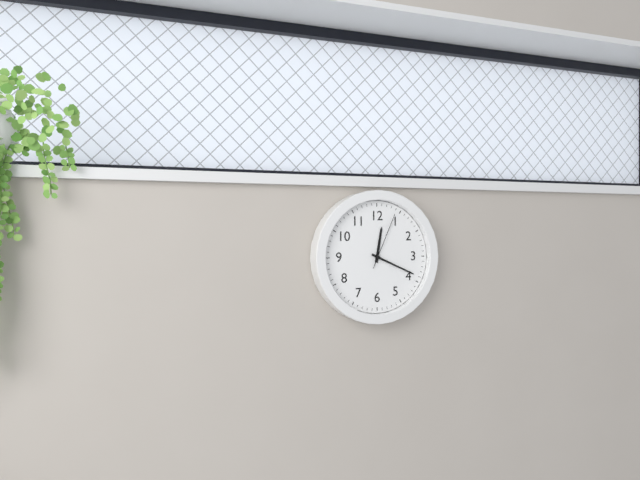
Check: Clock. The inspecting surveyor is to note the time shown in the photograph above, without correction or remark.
12:19:04
